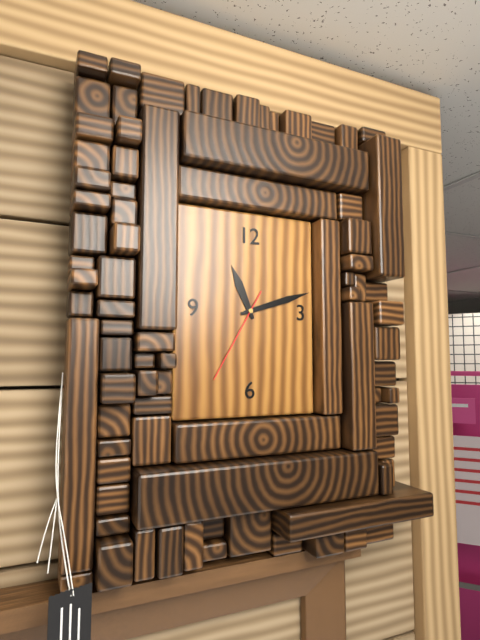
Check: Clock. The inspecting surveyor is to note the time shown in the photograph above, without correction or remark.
11:12:35
